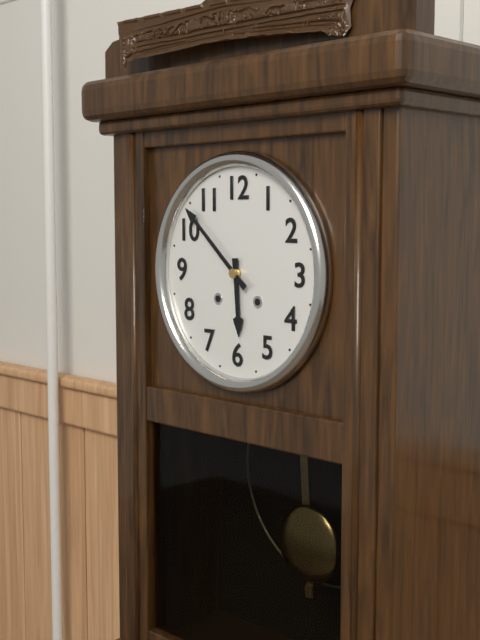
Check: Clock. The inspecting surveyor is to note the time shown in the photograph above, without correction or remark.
5:52
